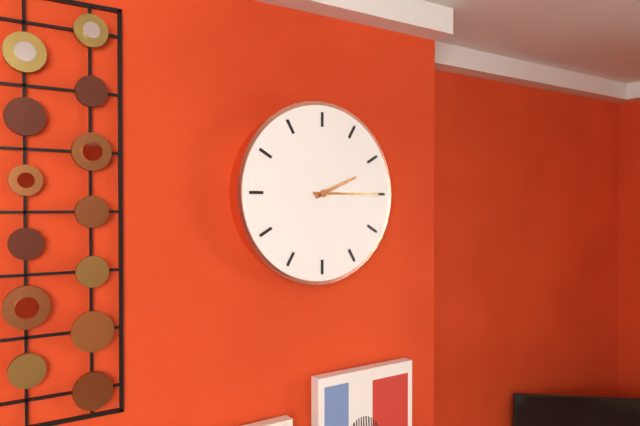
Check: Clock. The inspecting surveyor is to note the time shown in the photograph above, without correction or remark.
2:15
